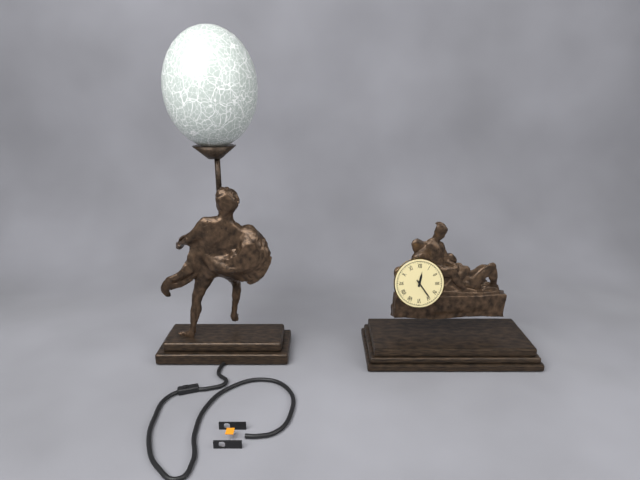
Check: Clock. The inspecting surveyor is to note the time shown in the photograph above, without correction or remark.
12:24
